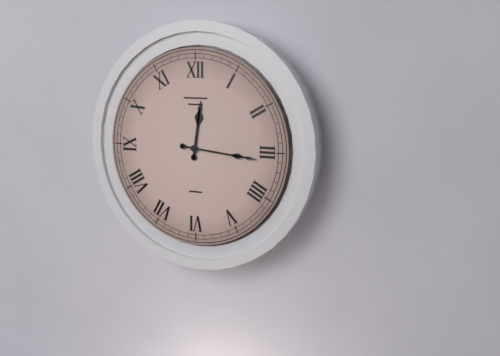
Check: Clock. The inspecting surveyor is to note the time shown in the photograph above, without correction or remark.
12:16
